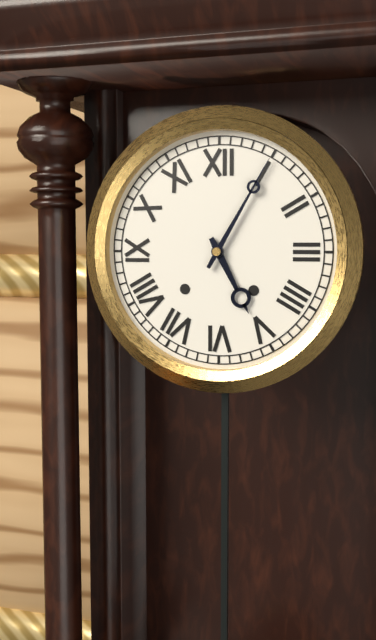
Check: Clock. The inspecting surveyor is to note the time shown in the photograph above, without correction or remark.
5:05
